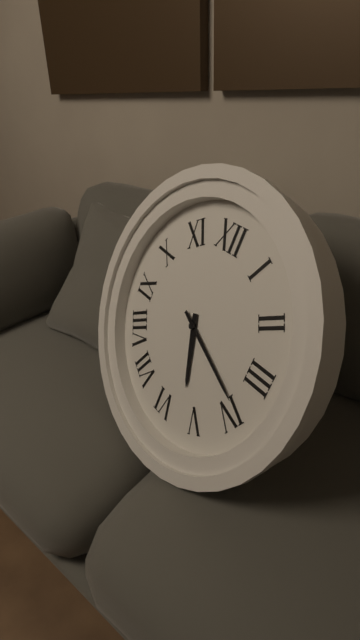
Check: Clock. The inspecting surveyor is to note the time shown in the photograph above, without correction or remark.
5:19
